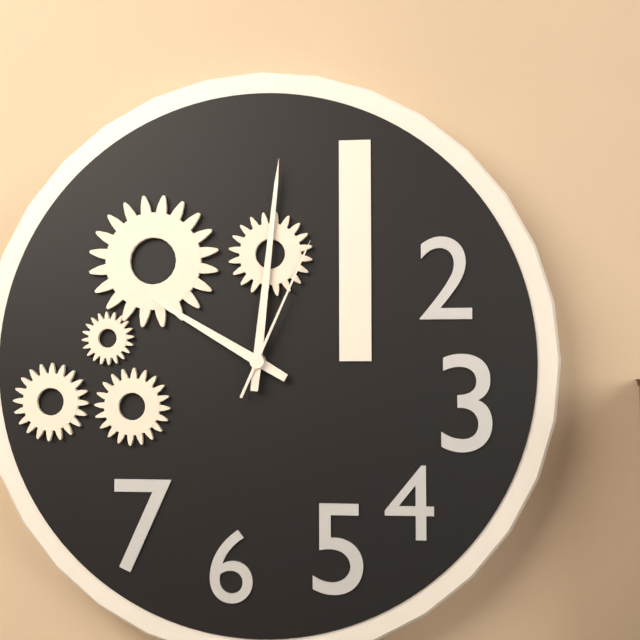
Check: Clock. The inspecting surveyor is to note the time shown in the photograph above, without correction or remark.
10:01:04
